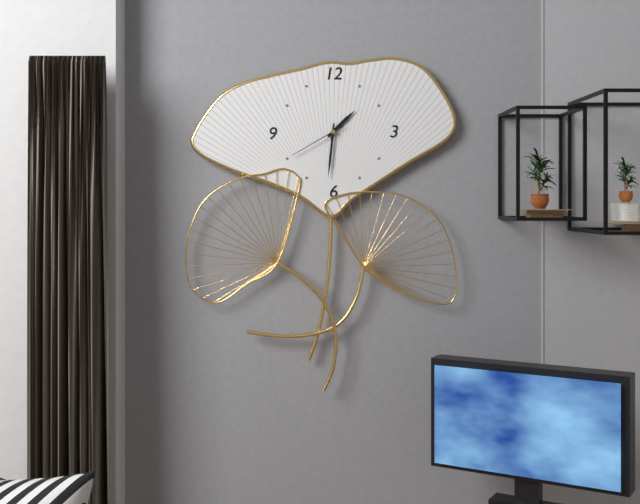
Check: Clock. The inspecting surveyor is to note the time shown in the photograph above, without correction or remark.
1:31:40
